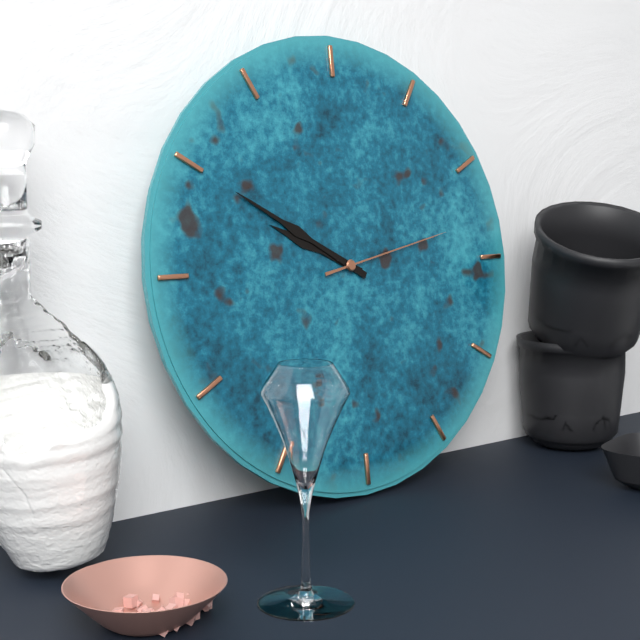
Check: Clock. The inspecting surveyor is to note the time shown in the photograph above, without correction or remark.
9:50:13
